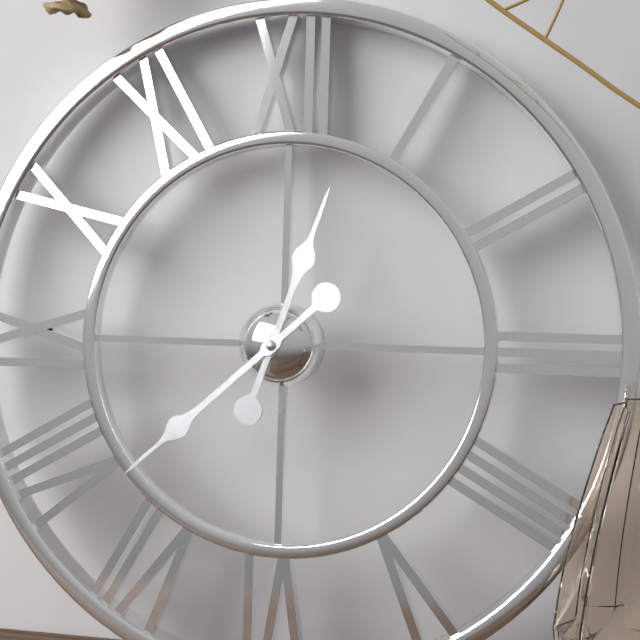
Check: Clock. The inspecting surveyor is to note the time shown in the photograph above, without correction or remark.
12:38
